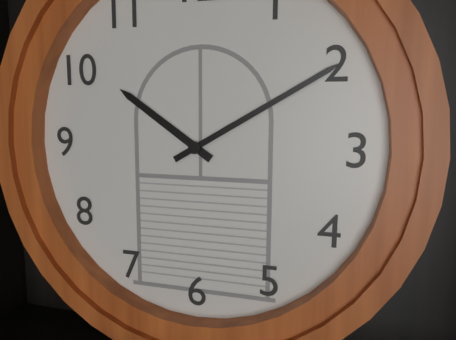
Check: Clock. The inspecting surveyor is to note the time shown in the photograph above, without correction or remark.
10:10
